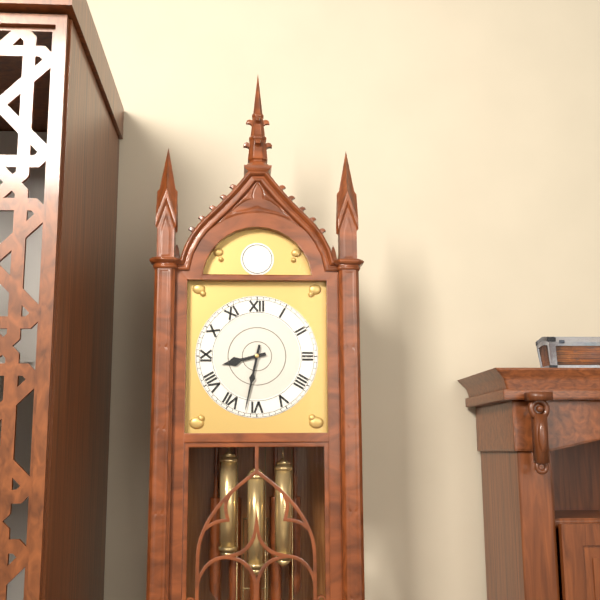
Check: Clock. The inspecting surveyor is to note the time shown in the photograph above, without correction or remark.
8:32
